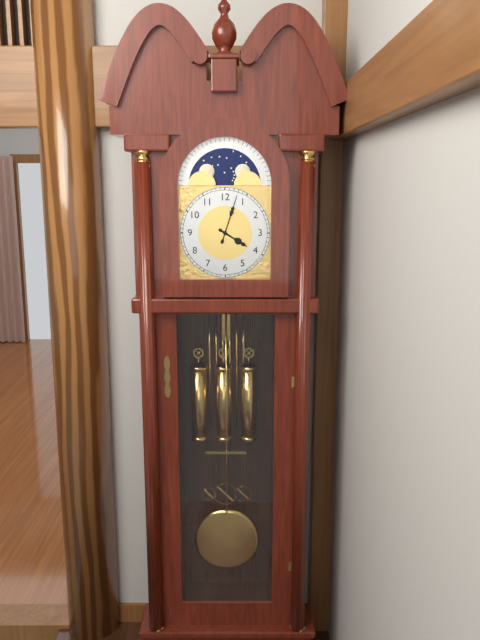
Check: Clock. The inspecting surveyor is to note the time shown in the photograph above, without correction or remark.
4:03
